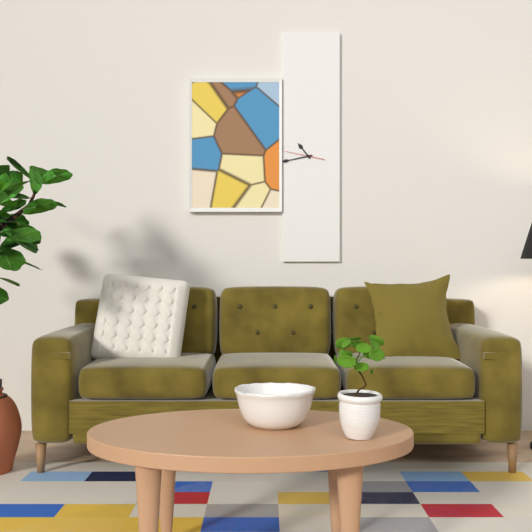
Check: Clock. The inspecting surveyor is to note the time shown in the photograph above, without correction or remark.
10:43
